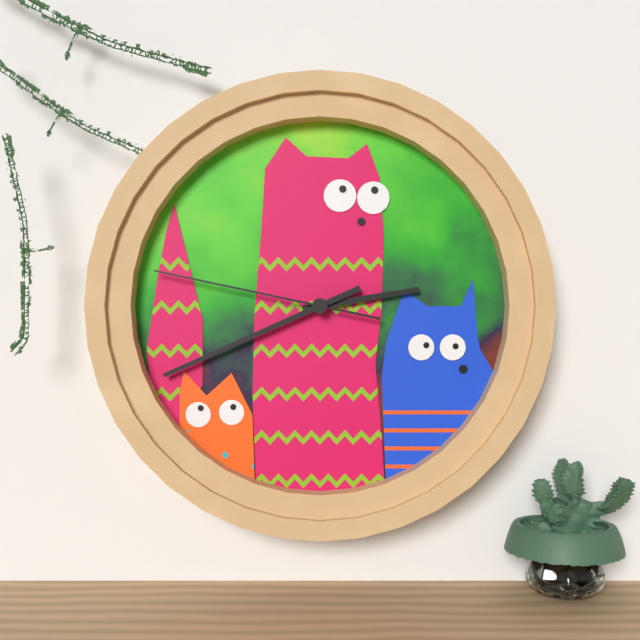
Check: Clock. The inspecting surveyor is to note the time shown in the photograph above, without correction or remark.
2:41:47
